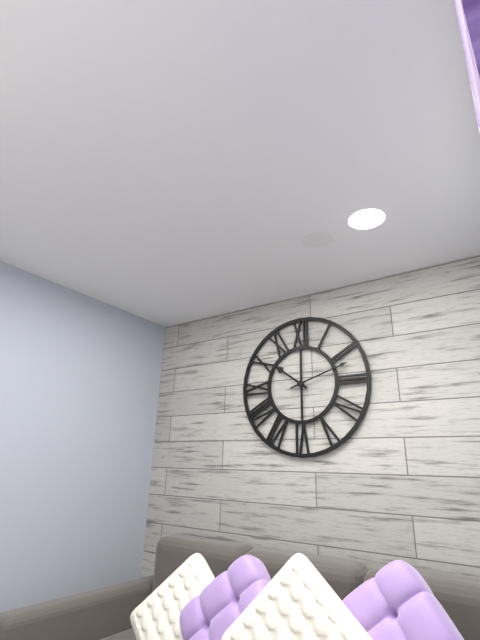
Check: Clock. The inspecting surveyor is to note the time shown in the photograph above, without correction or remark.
10:12
